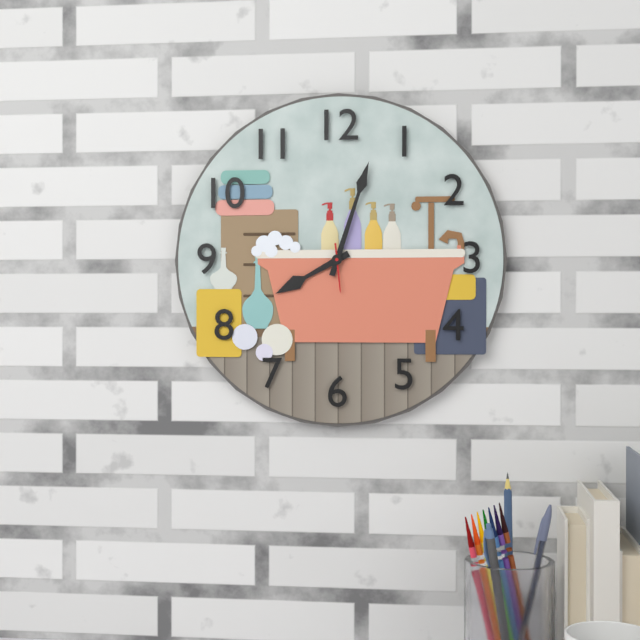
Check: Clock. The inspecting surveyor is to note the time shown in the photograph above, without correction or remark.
8:03
